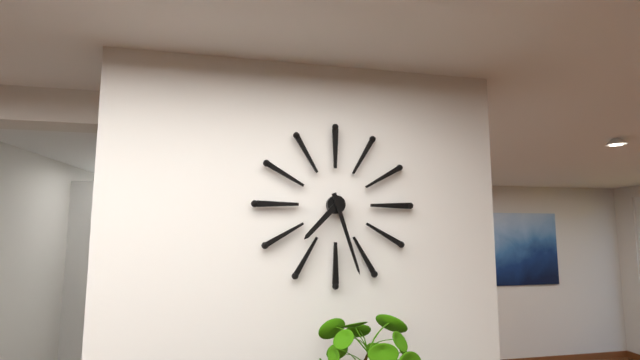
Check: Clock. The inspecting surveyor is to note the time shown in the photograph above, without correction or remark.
7:27
